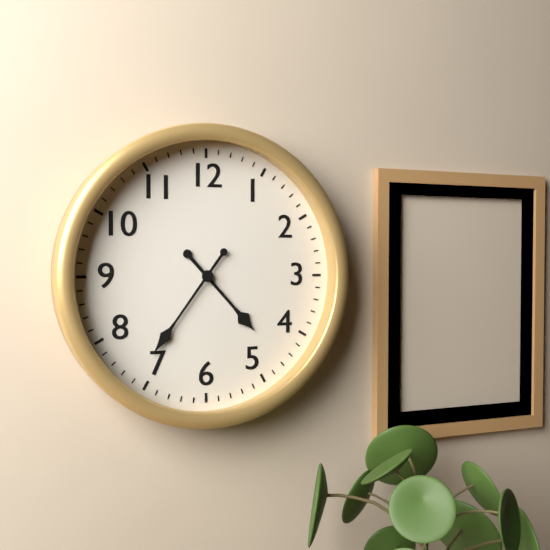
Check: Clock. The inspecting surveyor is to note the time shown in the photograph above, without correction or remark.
4:36
